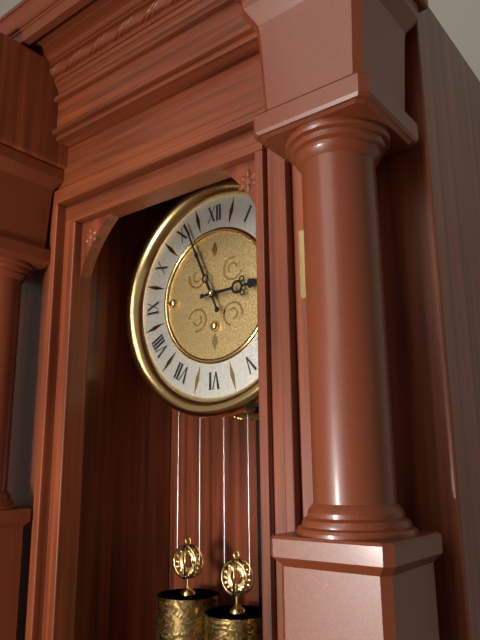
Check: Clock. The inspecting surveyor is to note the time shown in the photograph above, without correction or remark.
2:56
